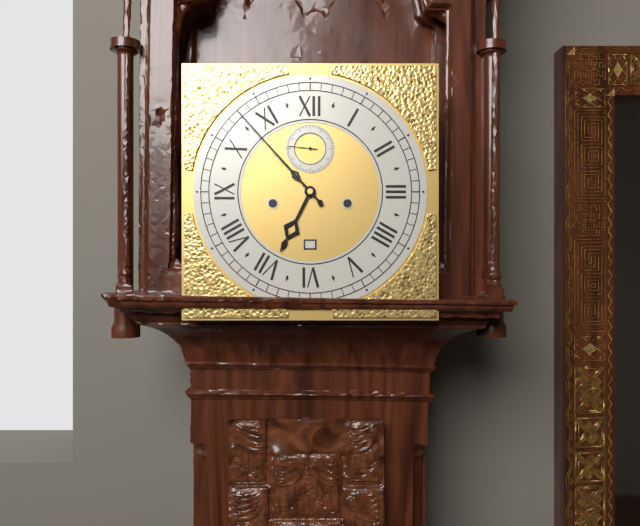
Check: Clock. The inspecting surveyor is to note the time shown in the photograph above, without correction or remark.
6:53
